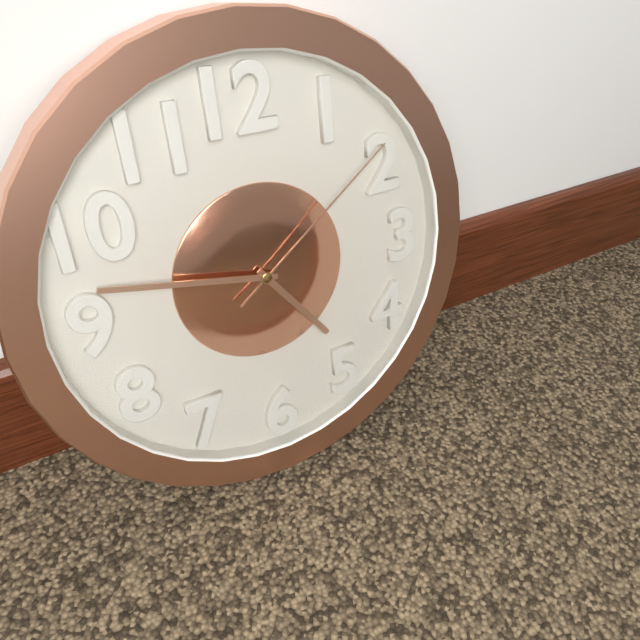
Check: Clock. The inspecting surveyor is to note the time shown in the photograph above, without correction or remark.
4:47:09
